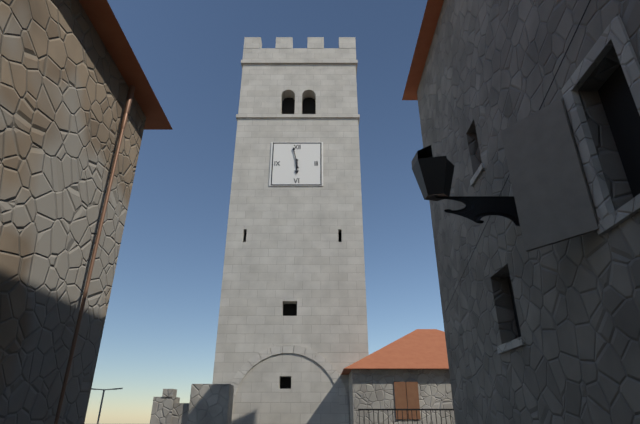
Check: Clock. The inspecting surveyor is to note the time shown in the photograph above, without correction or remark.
5:58
